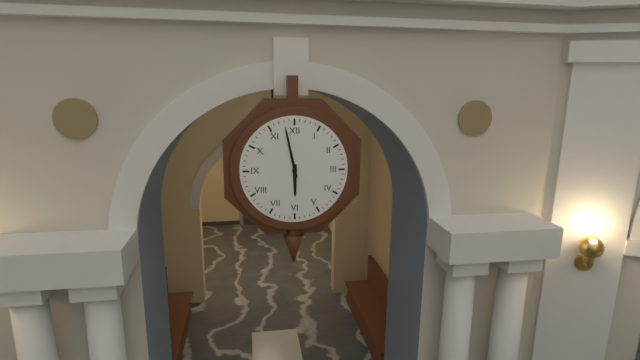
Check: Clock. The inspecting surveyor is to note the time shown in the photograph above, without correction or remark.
5:58
